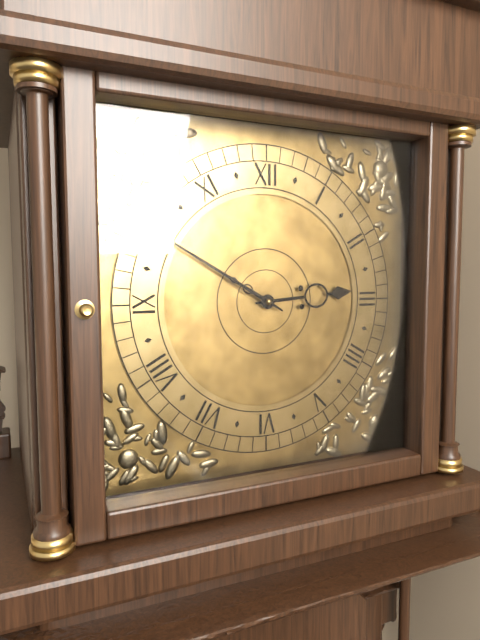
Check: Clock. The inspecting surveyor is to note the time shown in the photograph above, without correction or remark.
2:50
